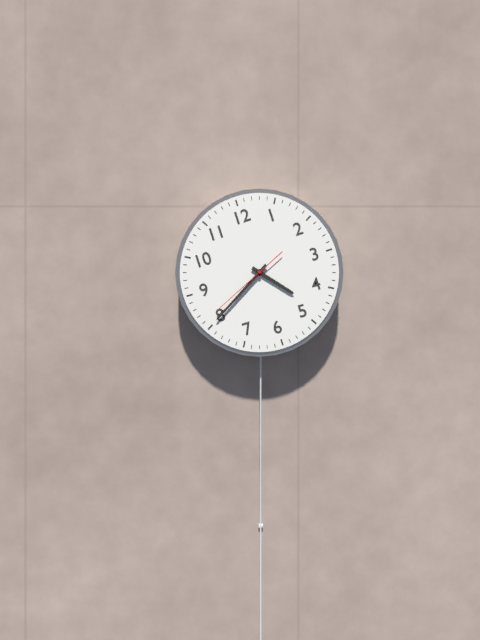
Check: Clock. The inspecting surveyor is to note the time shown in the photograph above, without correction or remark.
4:40:41
